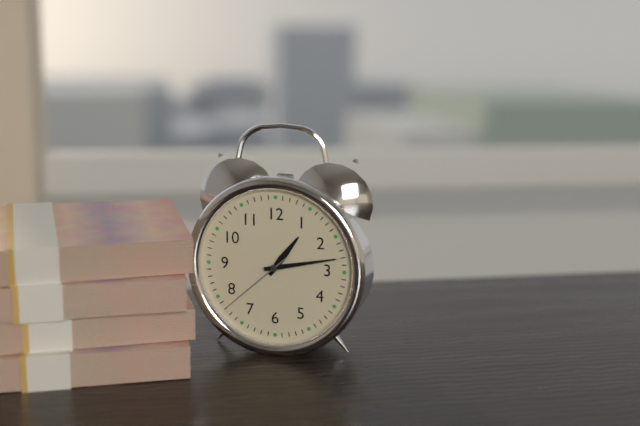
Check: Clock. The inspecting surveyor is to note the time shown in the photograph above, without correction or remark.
1:13:38
